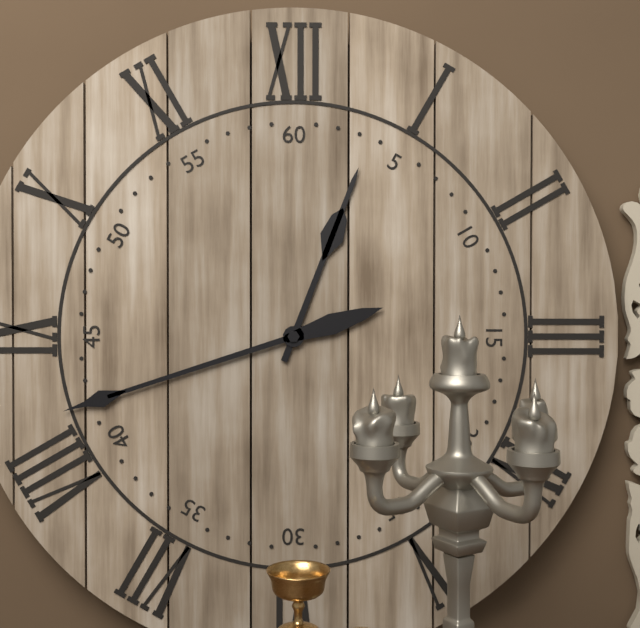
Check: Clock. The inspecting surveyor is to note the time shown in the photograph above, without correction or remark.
12:42
